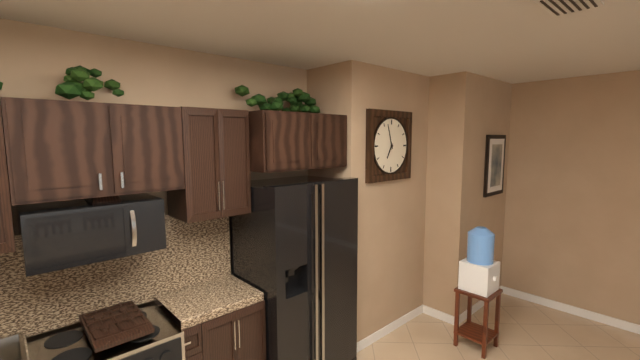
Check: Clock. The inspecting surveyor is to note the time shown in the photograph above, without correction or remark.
6:57
